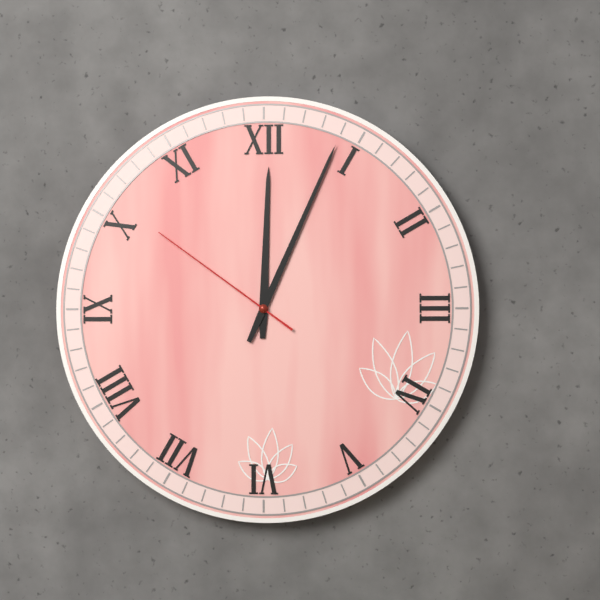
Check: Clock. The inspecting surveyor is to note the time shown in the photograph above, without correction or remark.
12:04:51
